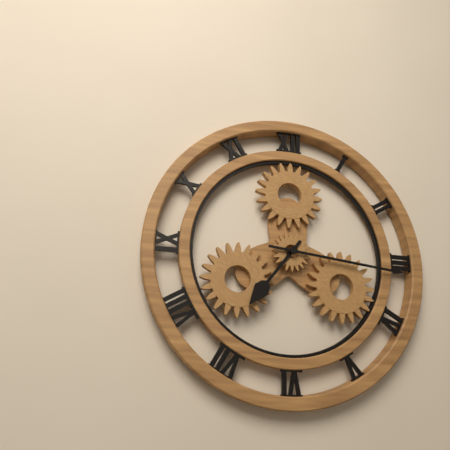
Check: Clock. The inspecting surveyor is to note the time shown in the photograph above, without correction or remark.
7:16
